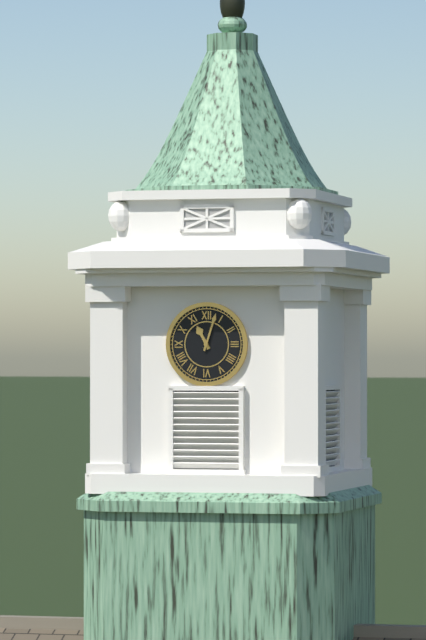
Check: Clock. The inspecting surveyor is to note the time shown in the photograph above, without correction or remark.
11:03
